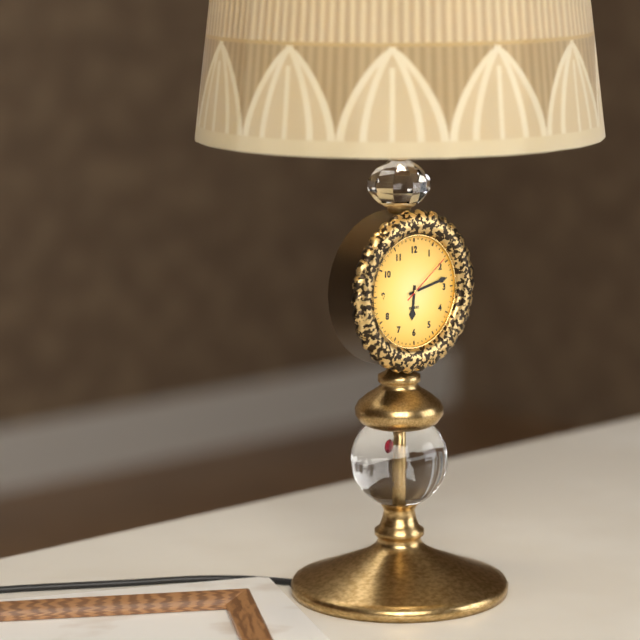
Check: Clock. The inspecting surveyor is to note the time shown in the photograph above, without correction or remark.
6:13:09
